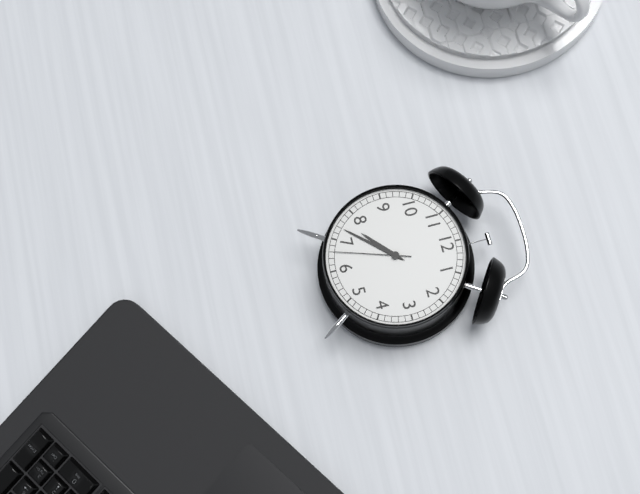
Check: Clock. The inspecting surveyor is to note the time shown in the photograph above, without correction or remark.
7:37:33
